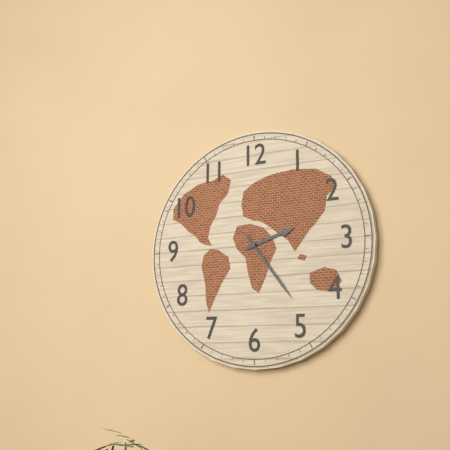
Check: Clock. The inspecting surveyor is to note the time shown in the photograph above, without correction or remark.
2:24
